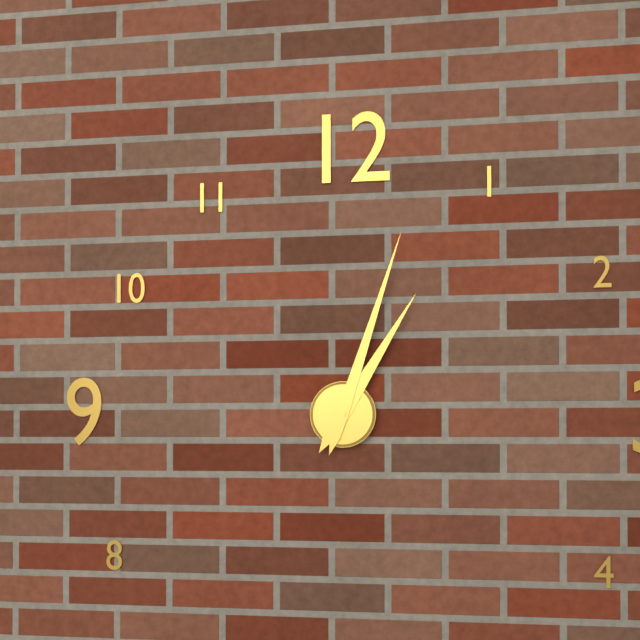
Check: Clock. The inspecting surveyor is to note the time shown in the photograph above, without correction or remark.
1:03
